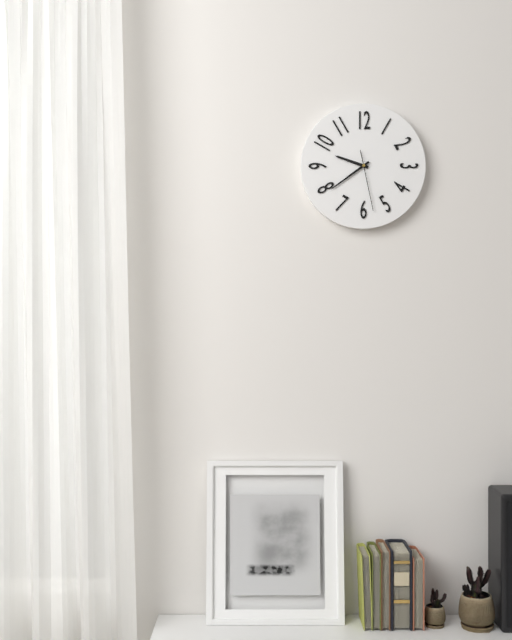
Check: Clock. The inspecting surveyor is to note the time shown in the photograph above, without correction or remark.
9:39:28
